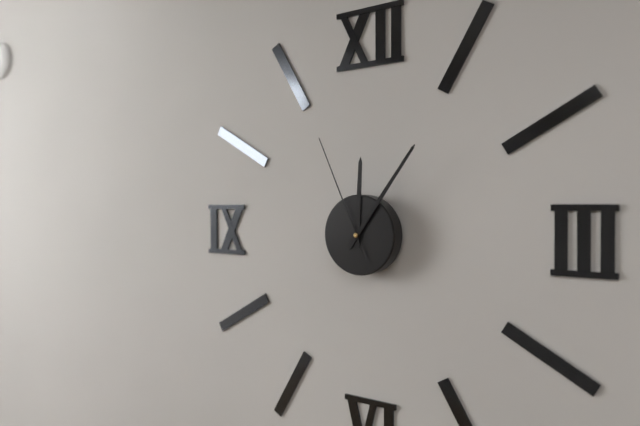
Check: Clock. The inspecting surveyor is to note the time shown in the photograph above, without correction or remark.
12:06:56
